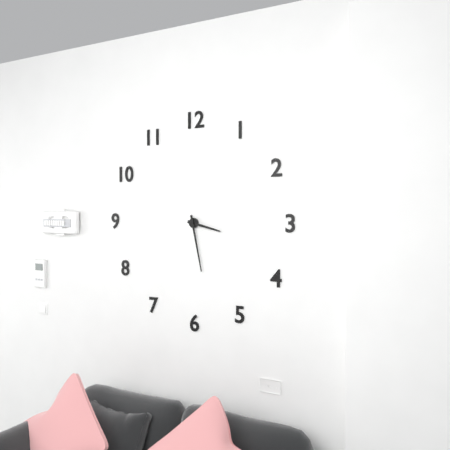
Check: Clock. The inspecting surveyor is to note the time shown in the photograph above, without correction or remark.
3:28
